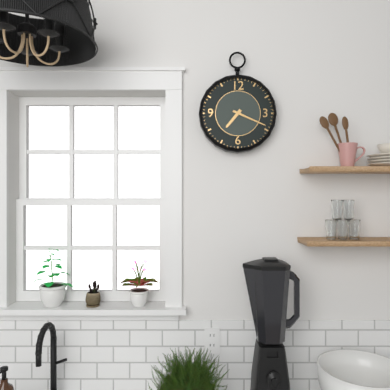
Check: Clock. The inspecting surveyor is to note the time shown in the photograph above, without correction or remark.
7:19
